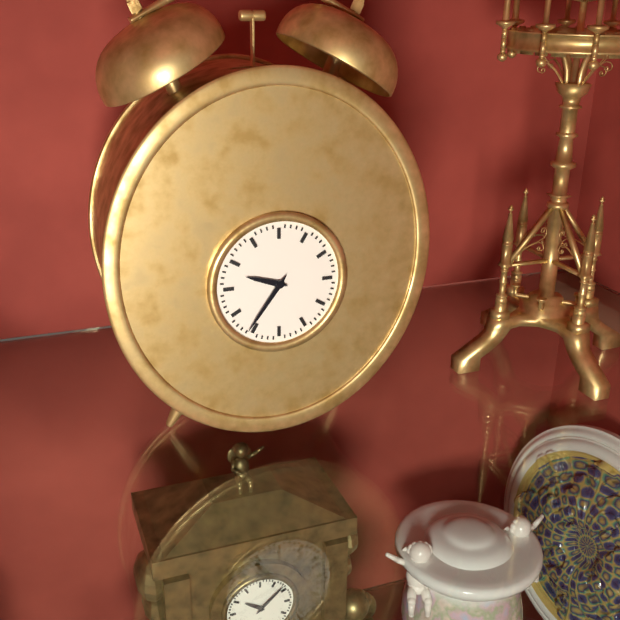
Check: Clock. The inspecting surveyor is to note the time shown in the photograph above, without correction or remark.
9:36
